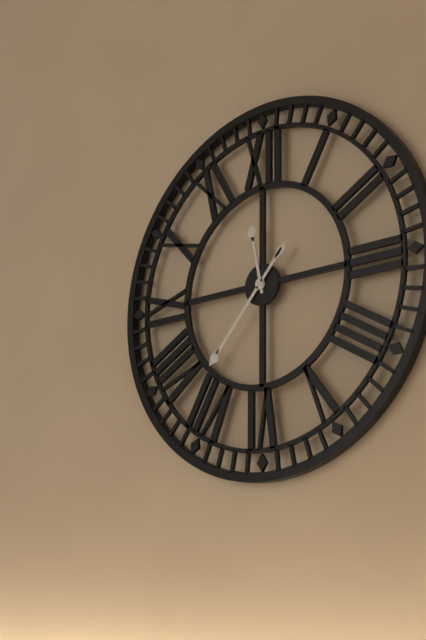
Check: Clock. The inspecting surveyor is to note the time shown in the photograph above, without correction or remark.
11:37
